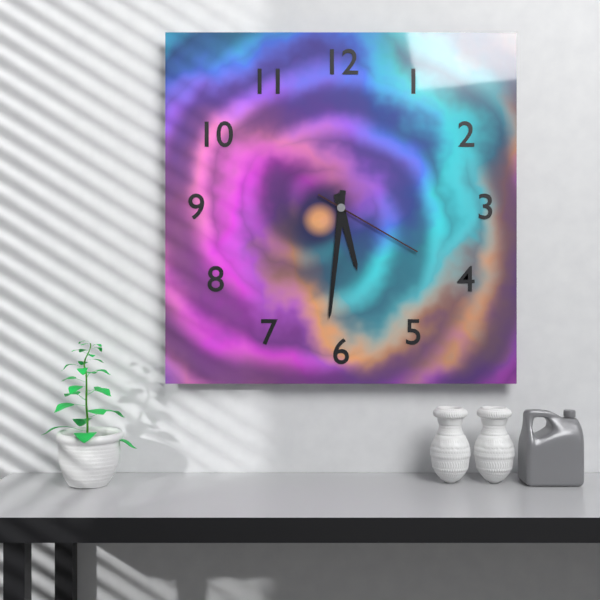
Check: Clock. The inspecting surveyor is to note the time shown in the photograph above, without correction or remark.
5:31:20
